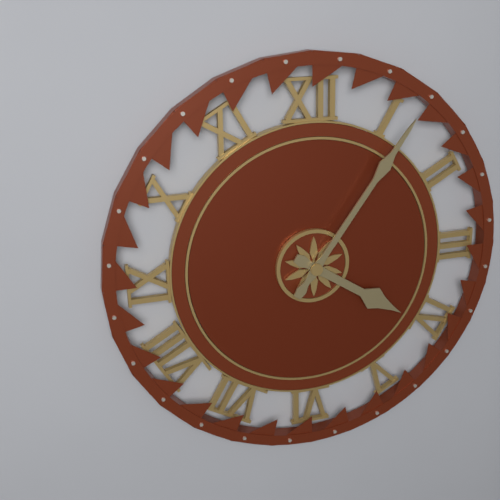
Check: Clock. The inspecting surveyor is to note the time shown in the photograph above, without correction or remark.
4:06
